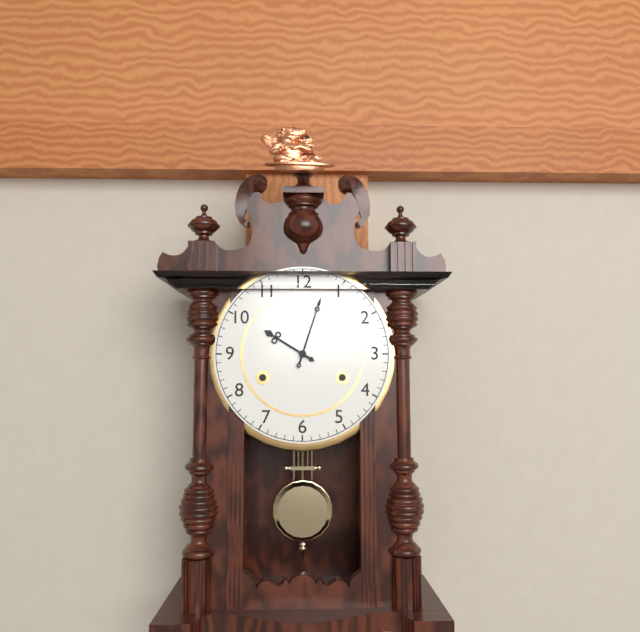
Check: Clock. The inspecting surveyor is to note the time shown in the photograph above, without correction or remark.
10:03
